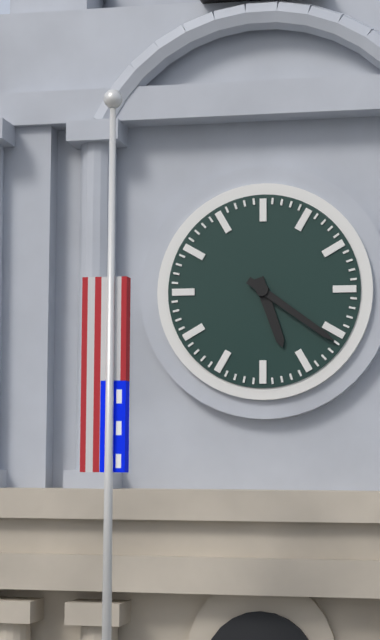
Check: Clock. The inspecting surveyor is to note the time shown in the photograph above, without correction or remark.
5:21
